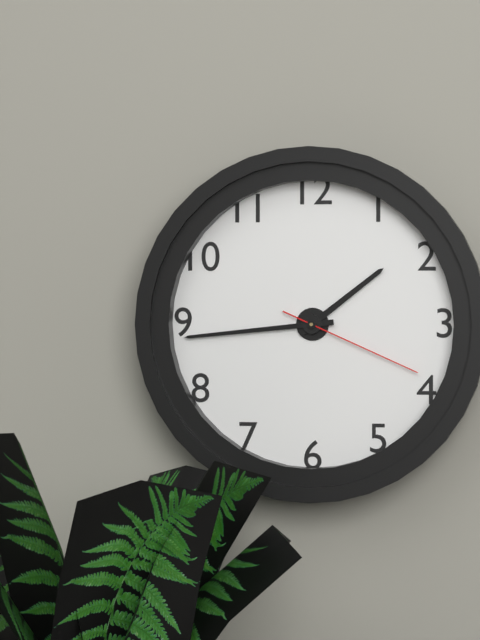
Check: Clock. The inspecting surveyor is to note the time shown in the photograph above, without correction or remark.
1:44:19
